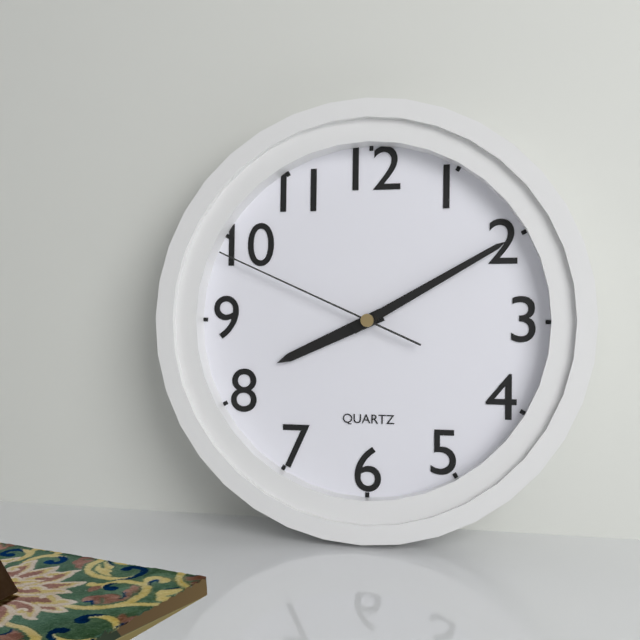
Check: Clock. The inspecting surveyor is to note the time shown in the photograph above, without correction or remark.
8:10:49
